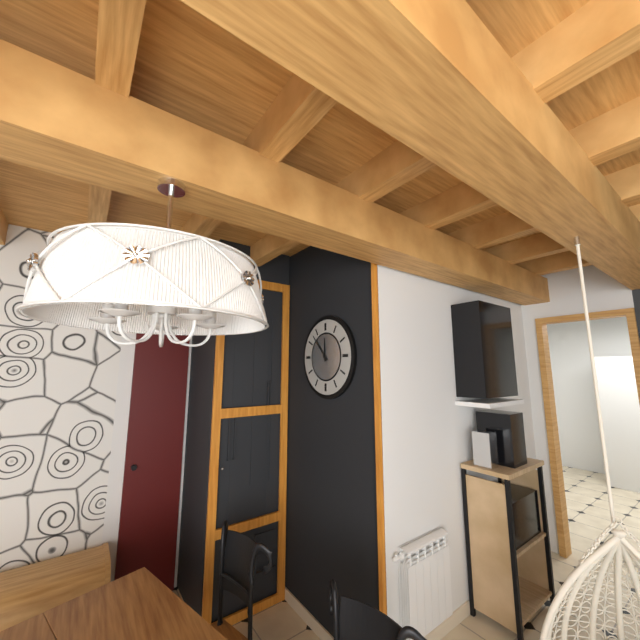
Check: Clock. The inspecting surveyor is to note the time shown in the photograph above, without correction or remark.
11:53
